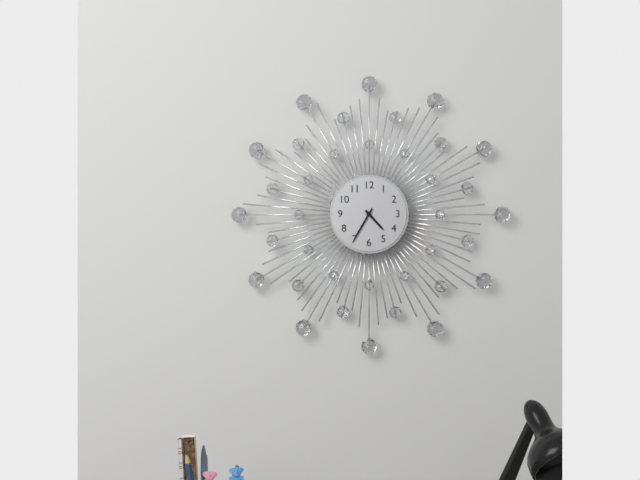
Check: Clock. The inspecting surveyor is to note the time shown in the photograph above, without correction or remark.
4:35
